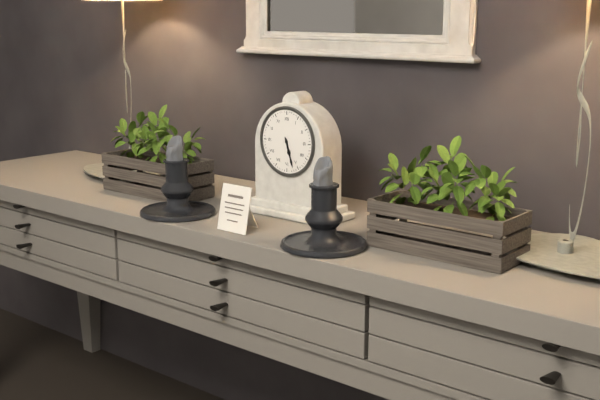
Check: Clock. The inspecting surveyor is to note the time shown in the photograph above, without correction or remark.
5:27
